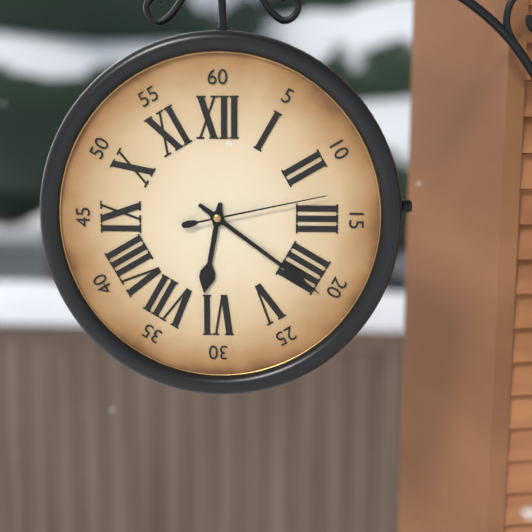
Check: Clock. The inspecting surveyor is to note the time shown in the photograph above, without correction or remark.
6:21:13
